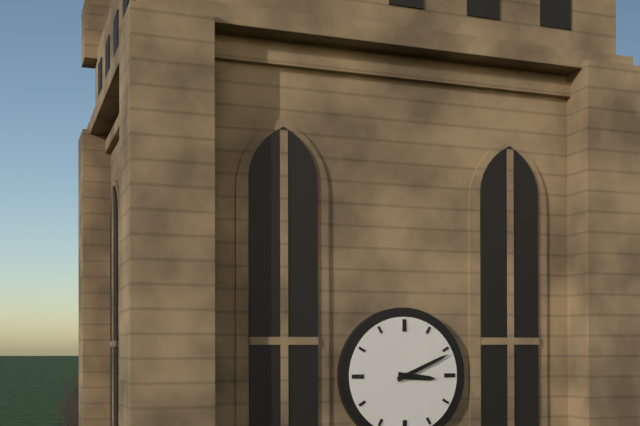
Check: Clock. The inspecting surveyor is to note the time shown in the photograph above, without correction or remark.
3:11
